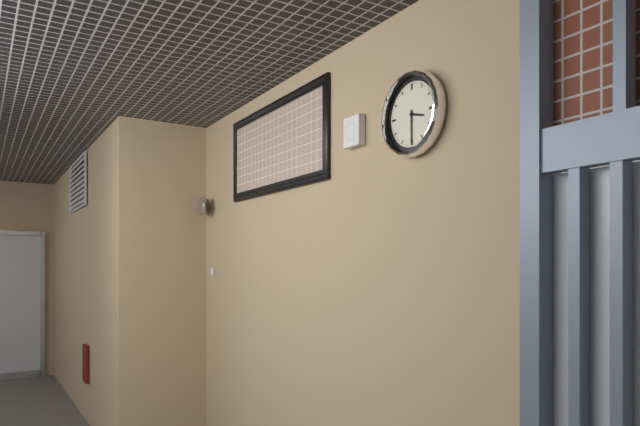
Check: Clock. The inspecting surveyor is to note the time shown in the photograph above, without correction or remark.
3:30
